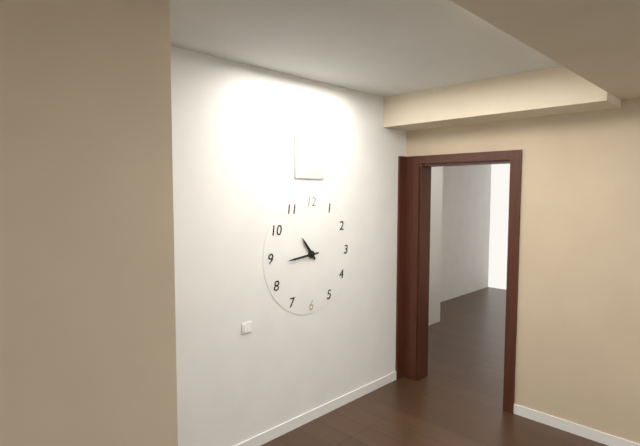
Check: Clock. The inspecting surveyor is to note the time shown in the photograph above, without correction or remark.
10:44
